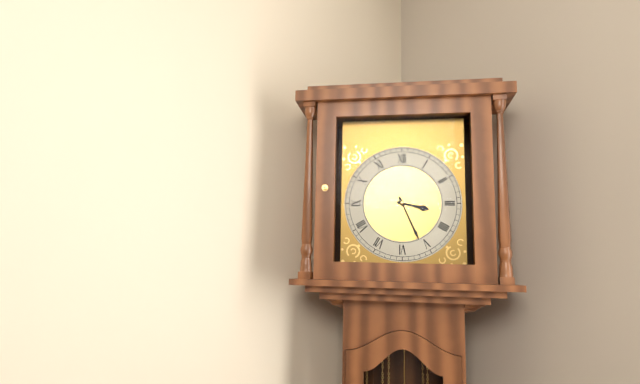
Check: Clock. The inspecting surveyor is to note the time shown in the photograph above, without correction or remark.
3:26
